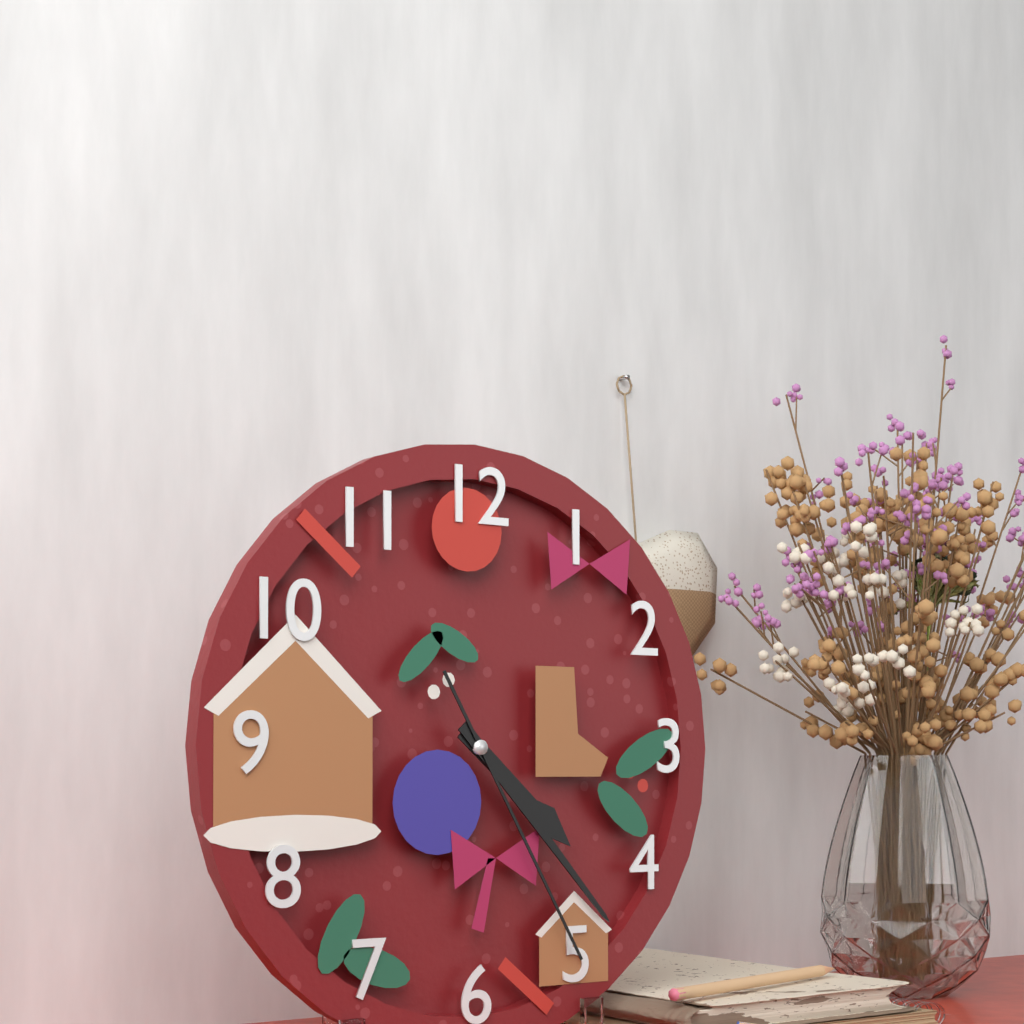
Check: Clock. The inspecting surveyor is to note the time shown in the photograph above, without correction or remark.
4:23:25
